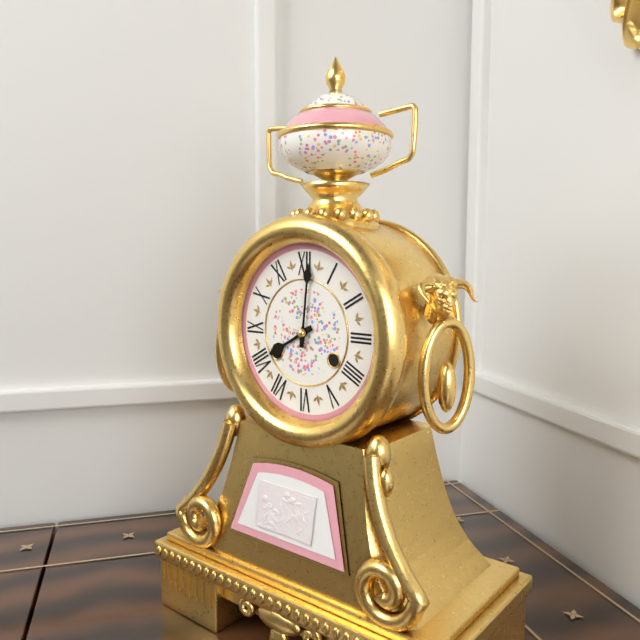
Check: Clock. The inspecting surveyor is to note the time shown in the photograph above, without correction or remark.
8:01
